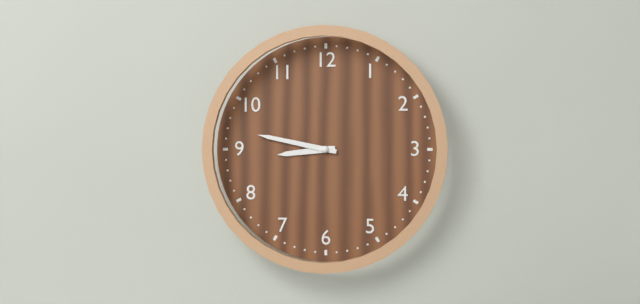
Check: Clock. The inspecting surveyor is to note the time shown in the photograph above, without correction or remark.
8:47
